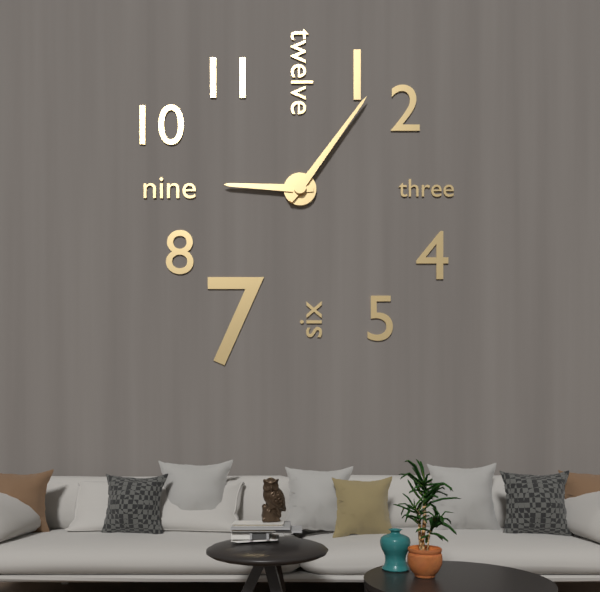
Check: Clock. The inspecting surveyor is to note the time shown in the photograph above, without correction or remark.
9:06
